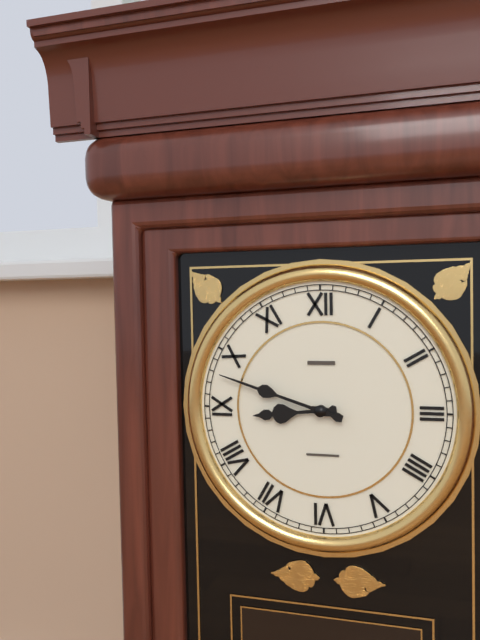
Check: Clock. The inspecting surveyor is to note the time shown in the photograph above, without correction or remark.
8:48
